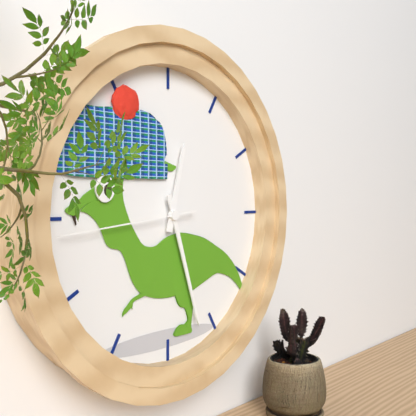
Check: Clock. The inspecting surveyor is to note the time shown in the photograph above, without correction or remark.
12:27:44
